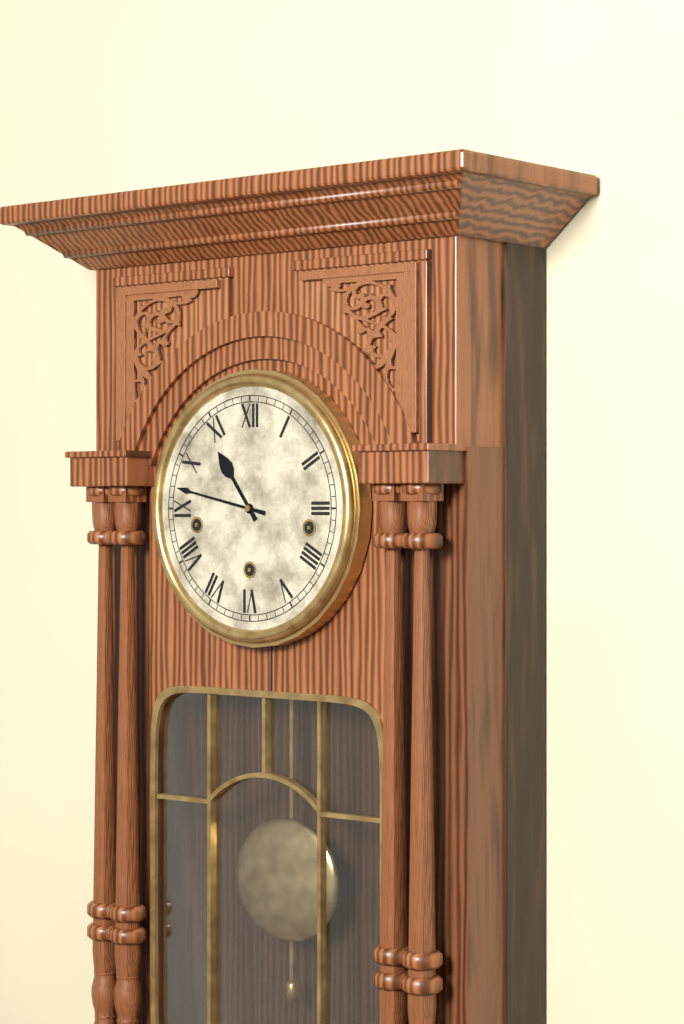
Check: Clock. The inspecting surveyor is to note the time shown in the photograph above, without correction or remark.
10:47
